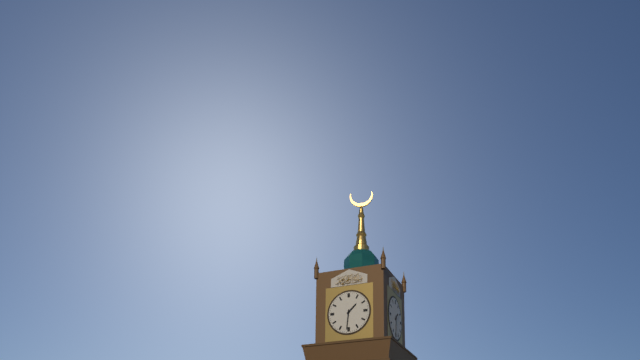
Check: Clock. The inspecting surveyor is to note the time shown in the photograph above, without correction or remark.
1:31
